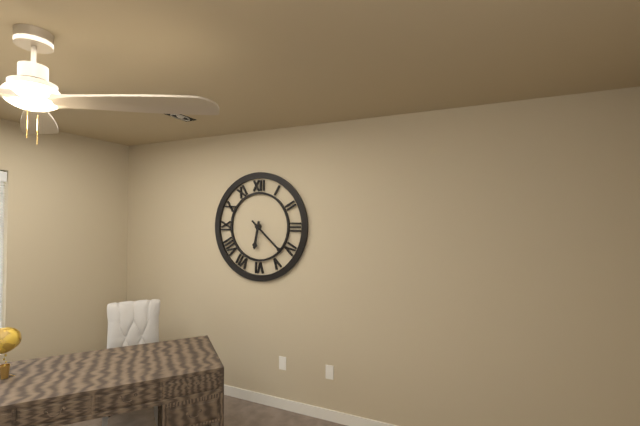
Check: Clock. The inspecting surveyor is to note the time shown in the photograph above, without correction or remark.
6:22
